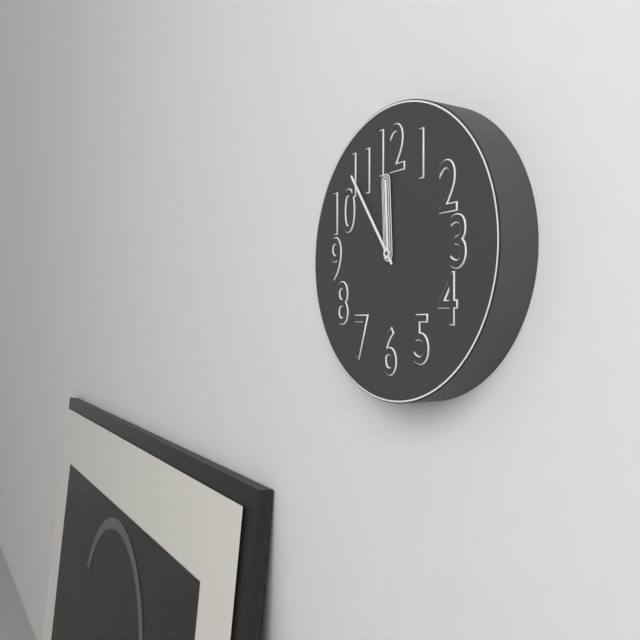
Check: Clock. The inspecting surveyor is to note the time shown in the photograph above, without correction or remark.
11:54
